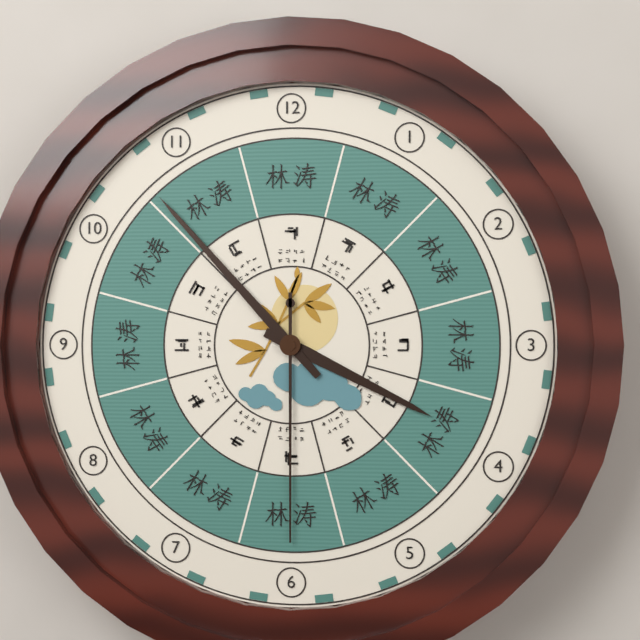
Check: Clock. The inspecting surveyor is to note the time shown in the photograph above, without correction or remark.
3:53:30
